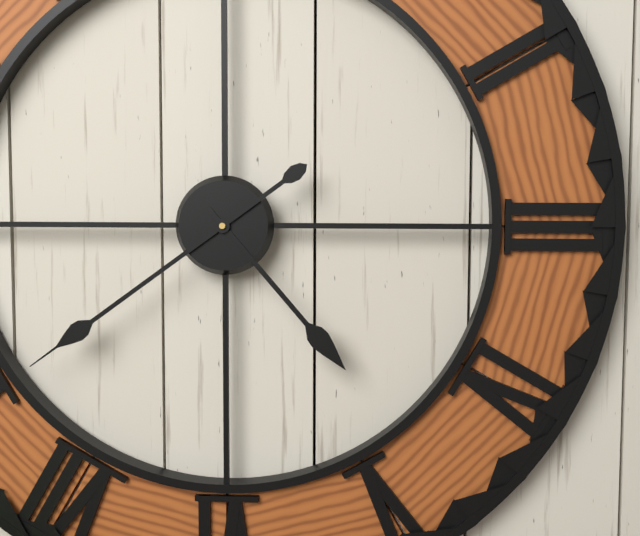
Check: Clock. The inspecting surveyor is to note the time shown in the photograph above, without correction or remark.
4:39
